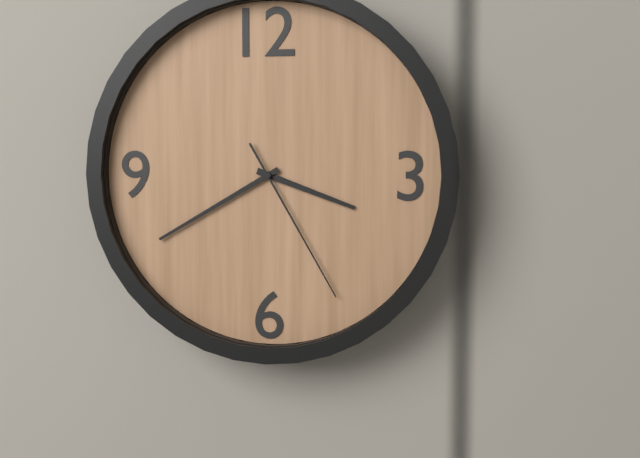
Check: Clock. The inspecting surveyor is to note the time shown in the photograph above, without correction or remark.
3:40:25
